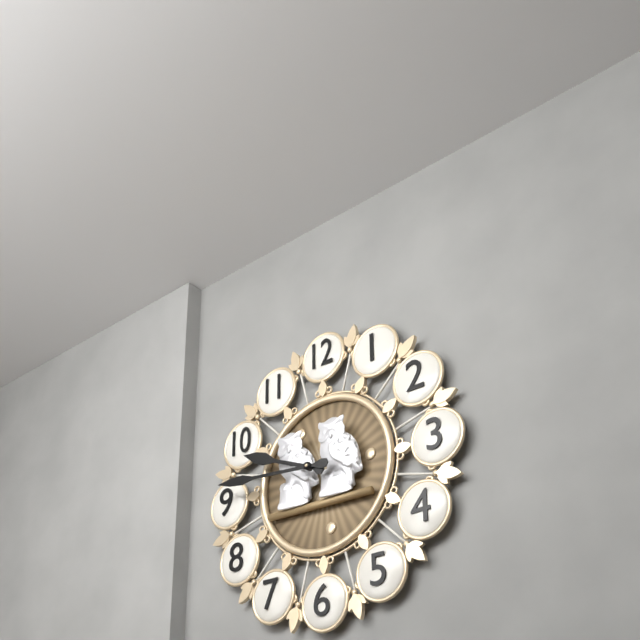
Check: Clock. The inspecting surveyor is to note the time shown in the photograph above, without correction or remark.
9:46
